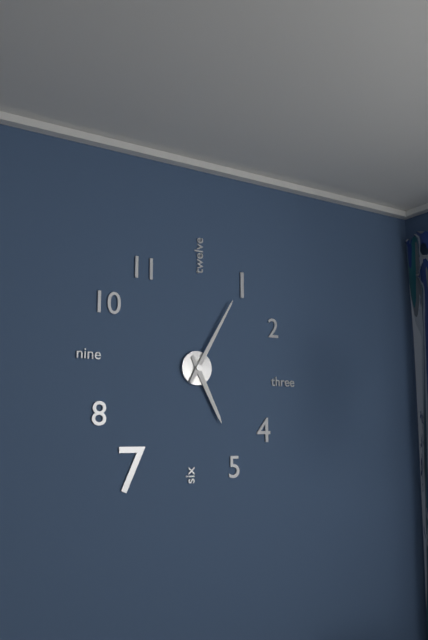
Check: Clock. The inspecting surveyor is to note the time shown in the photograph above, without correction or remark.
5:05
